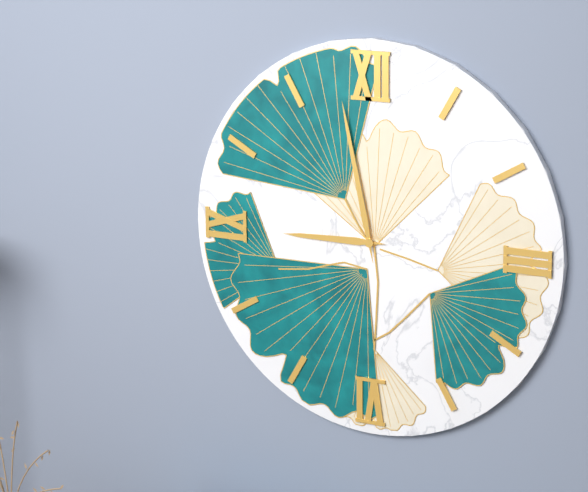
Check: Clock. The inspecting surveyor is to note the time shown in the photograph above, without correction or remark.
8:58
